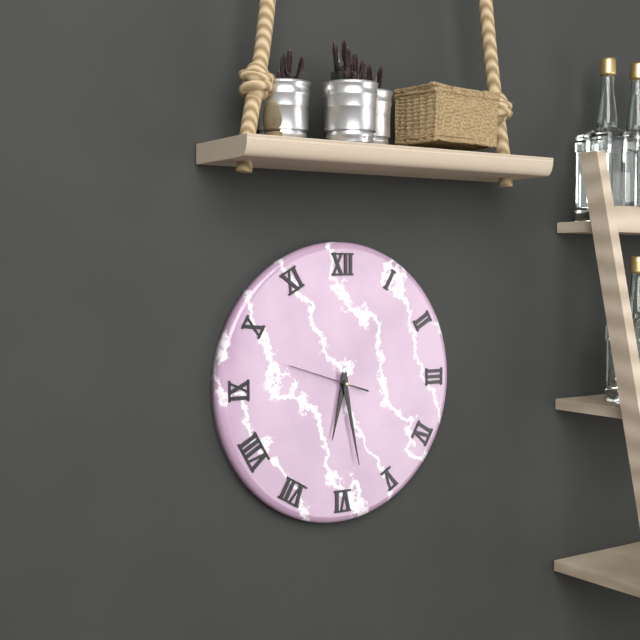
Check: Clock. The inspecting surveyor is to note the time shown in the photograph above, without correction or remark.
6:28:48
